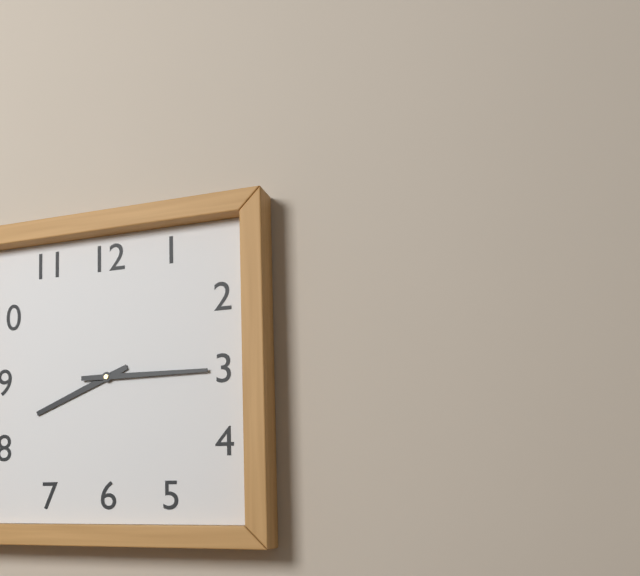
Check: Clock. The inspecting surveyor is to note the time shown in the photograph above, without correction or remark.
8:15
